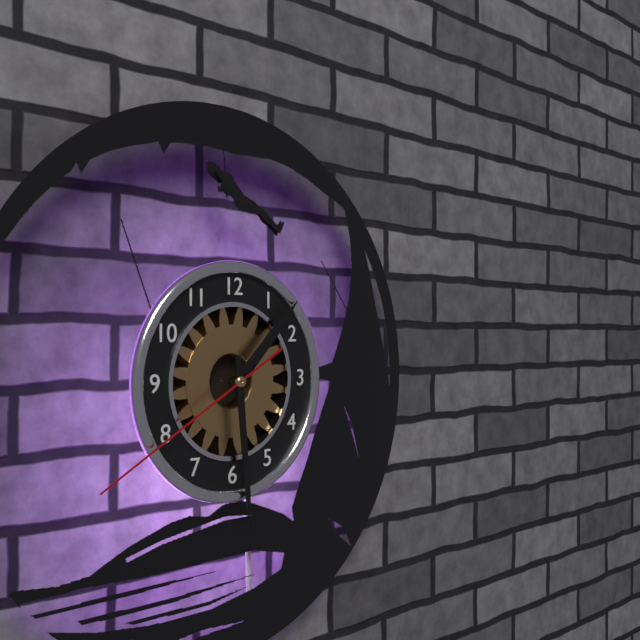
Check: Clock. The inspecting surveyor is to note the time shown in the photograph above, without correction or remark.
1:29:40
